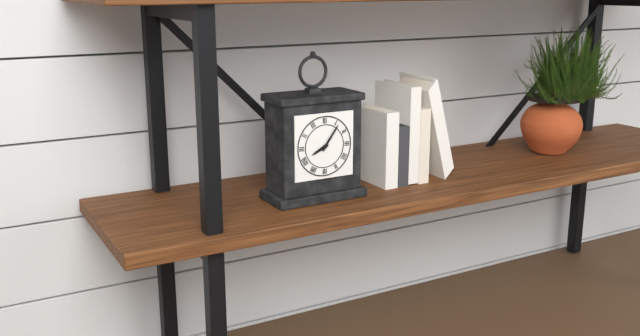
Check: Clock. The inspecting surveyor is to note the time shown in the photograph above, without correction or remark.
8:06
